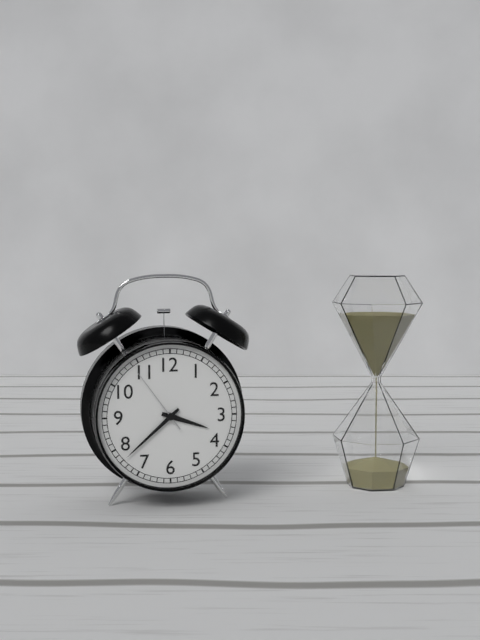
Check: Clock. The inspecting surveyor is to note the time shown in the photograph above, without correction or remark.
3:38:54
